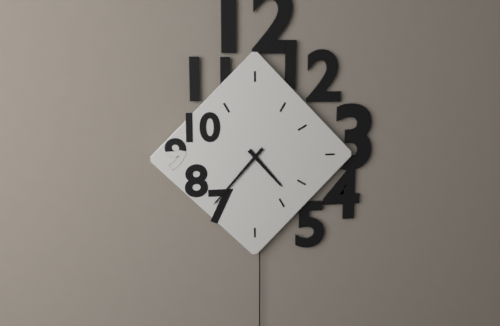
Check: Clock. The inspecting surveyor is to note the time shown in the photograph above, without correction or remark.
4:37
